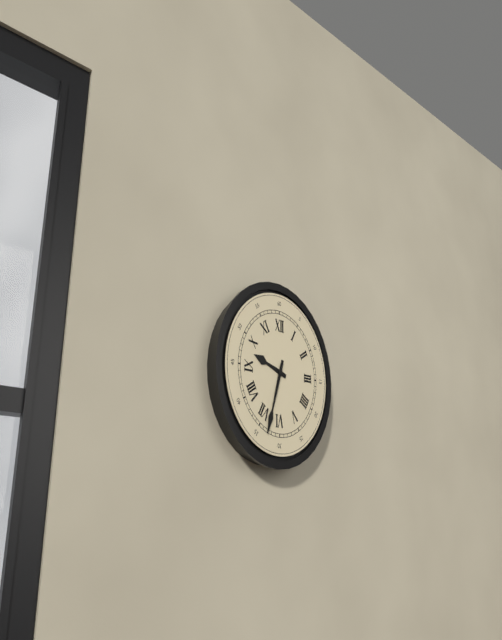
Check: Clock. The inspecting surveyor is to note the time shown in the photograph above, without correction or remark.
9:33
